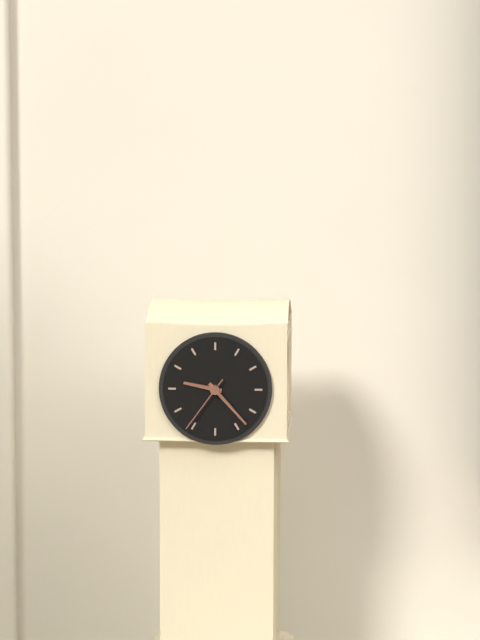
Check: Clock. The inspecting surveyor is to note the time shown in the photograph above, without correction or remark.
9:23:36
